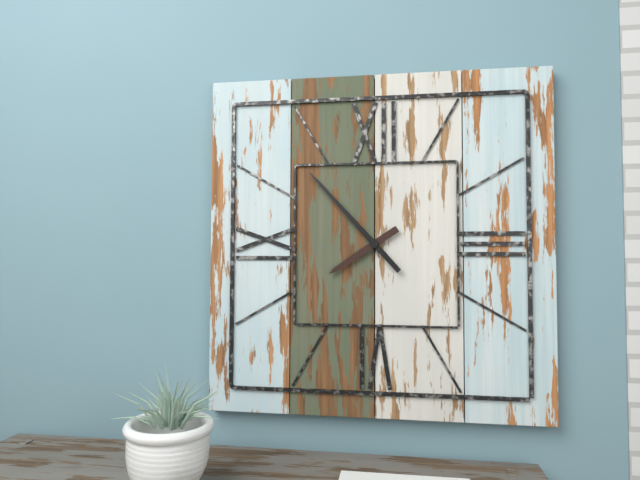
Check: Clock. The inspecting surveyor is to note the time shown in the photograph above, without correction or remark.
7:53
